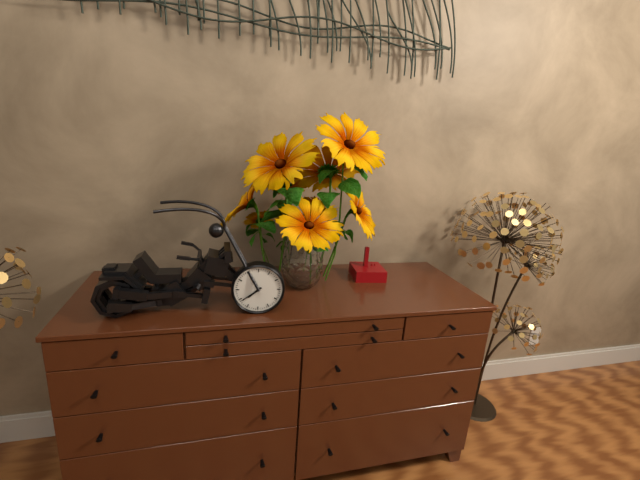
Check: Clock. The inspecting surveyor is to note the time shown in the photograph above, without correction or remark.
7:39
